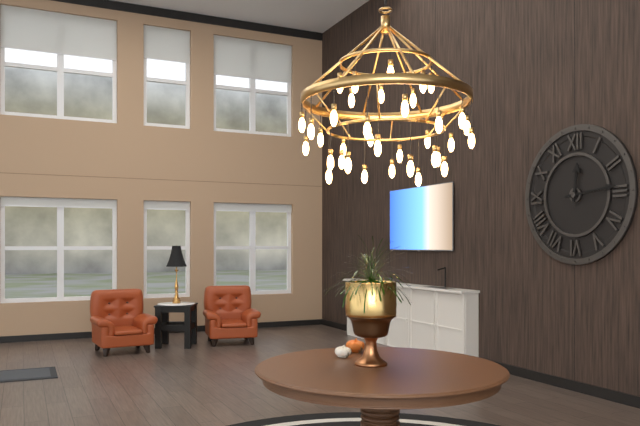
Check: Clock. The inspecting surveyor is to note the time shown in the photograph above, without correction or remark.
12:14
